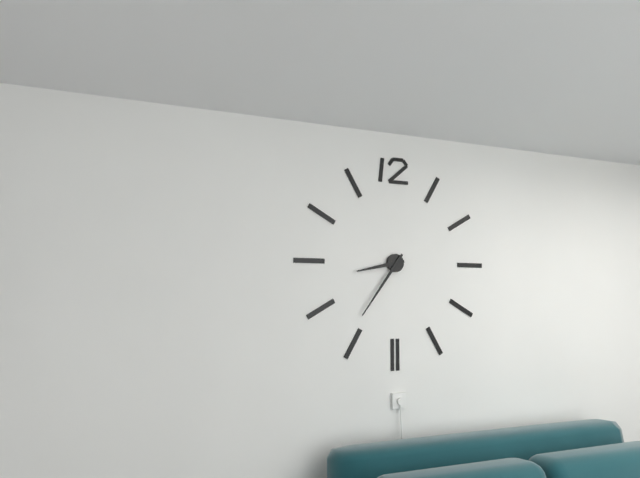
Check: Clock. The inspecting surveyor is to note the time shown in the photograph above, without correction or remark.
8:36
